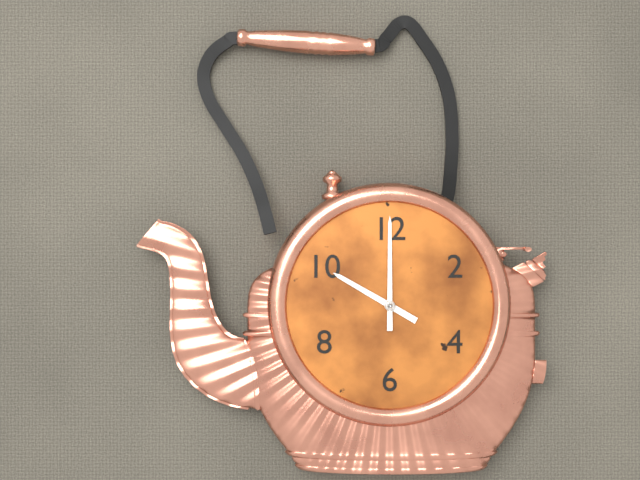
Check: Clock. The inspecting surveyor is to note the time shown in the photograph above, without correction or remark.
10:00
